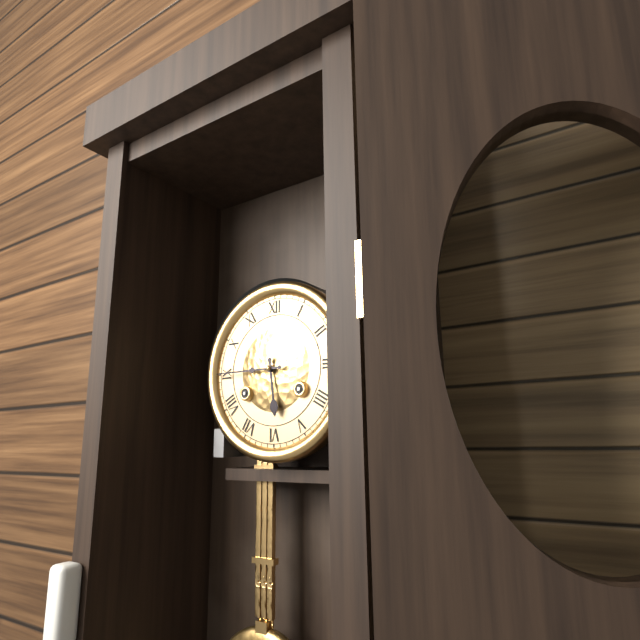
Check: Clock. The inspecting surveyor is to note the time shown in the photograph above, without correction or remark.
5:45
